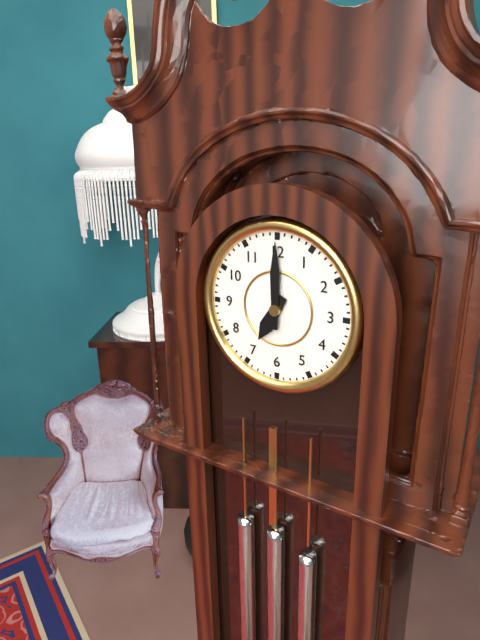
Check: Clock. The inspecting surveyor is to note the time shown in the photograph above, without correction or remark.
7:00
